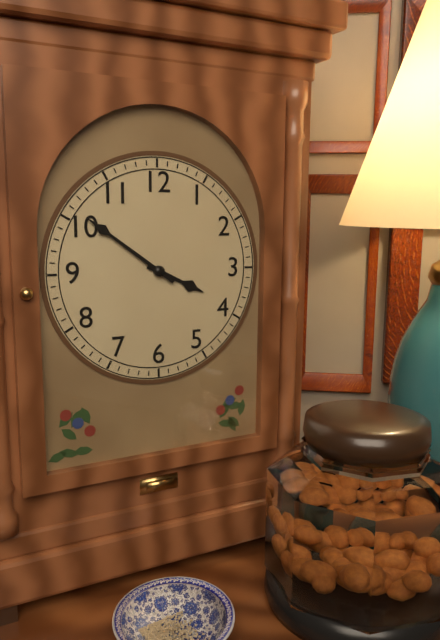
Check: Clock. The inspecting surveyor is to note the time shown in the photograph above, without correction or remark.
3:51
